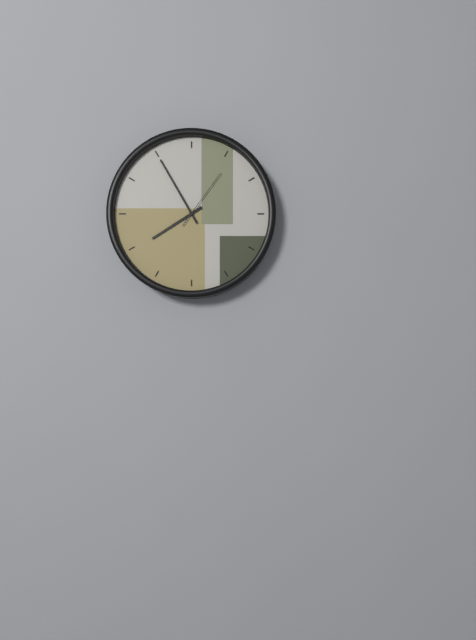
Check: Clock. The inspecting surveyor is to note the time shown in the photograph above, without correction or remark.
7:55:06
